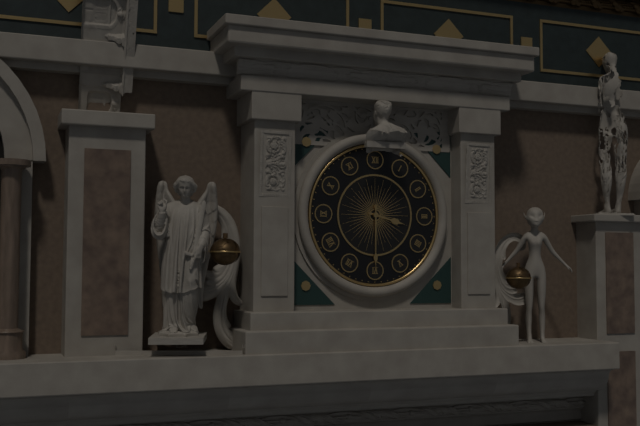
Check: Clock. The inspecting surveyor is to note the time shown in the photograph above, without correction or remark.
3:30
